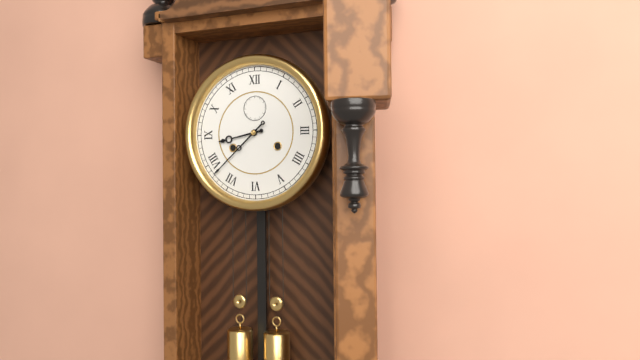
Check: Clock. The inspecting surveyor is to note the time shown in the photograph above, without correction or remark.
8:38
